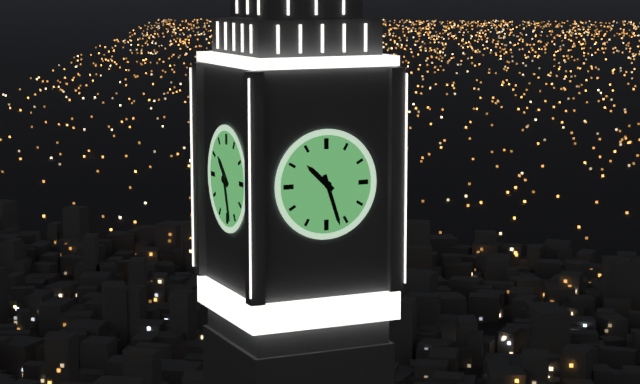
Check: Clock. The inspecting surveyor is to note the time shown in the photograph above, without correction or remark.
10:27
